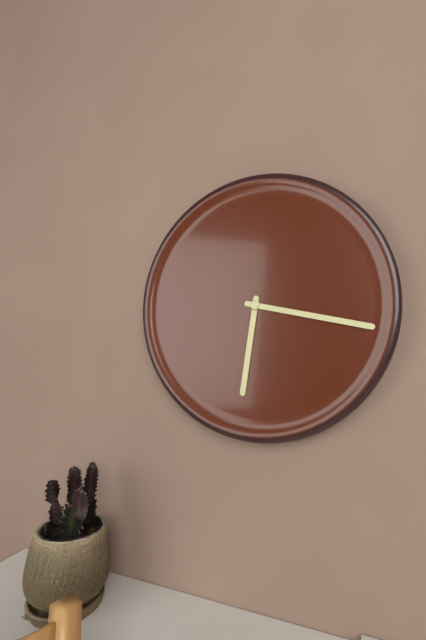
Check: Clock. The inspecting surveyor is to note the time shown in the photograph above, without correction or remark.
6:17
